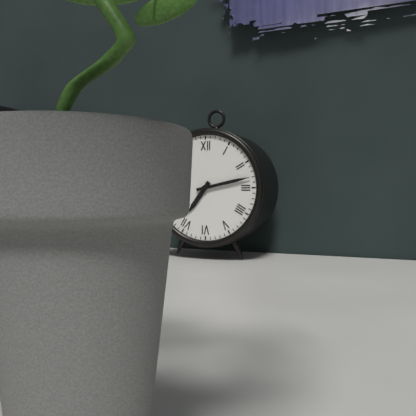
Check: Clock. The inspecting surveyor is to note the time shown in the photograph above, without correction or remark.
7:13
